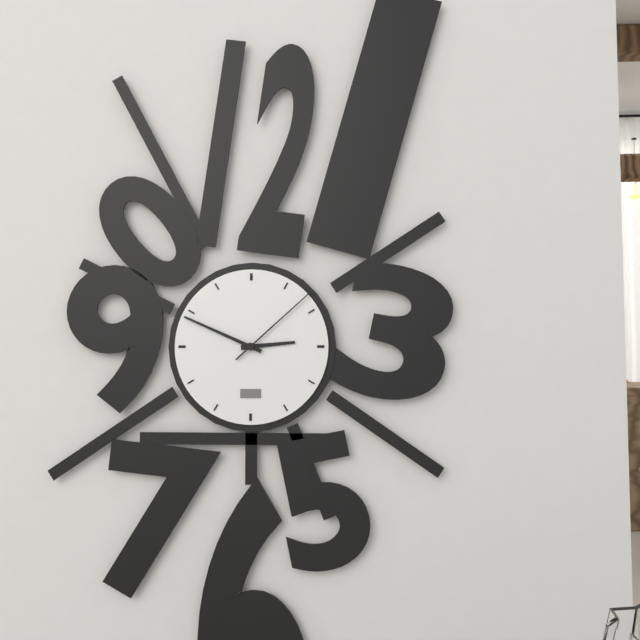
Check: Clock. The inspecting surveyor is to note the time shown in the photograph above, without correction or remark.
2:49:08
